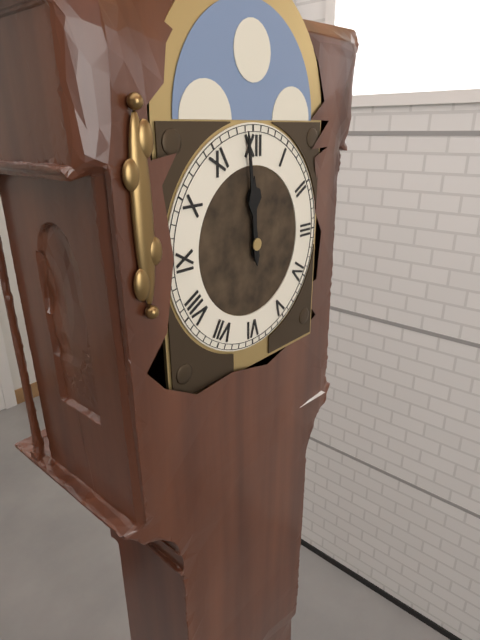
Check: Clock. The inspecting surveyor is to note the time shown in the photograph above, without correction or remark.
11:59
